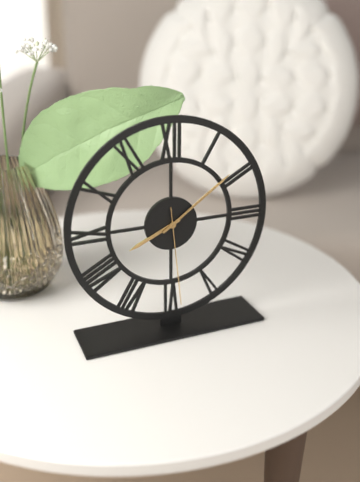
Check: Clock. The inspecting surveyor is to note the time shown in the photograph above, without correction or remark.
8:09:29
